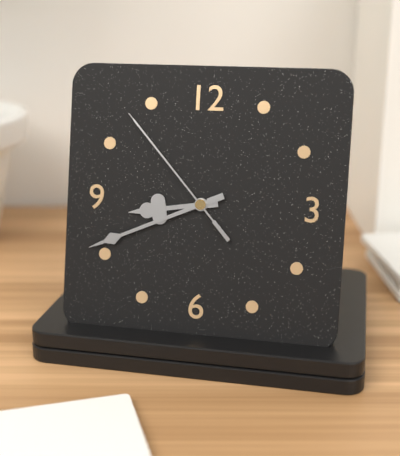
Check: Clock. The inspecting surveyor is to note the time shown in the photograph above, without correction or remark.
8:41:53
